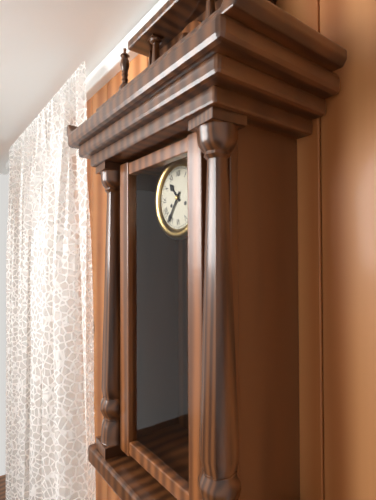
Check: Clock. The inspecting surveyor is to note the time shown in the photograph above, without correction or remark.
10:36
